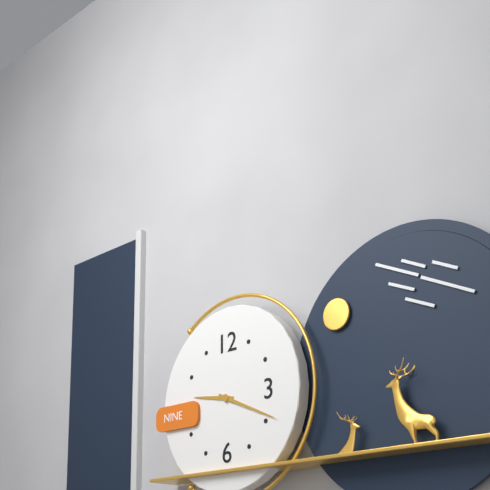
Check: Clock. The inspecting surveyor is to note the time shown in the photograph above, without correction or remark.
9:19
